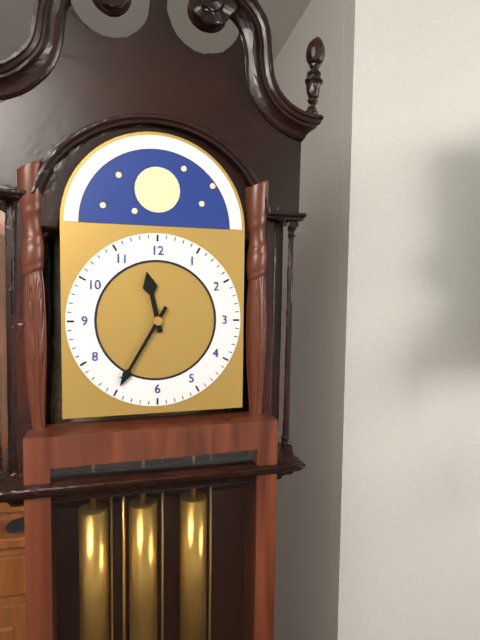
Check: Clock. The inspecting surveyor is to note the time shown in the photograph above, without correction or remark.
11:35
